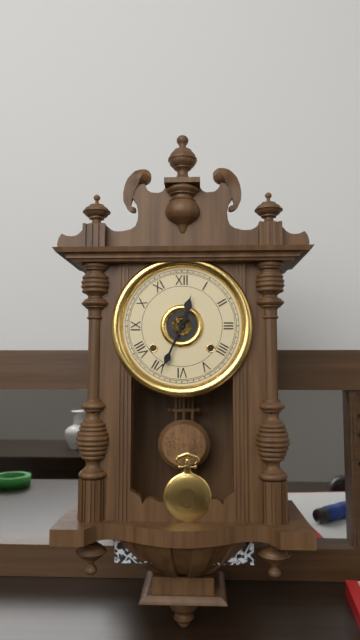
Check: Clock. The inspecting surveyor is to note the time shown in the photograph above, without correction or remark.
12:34
